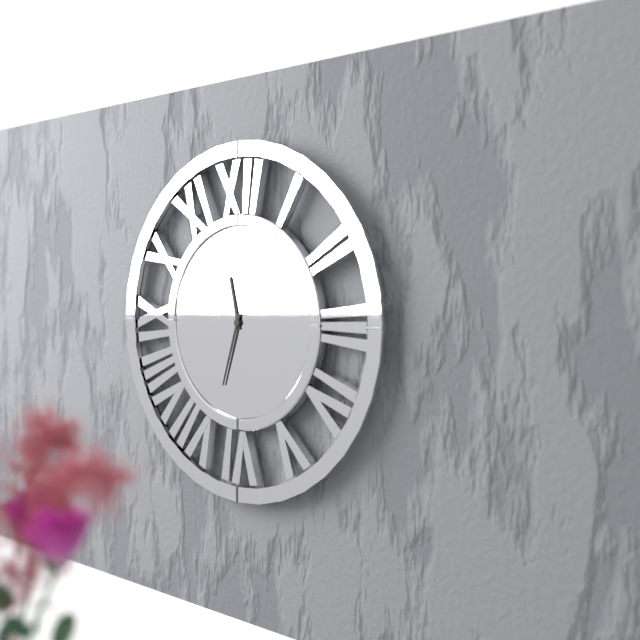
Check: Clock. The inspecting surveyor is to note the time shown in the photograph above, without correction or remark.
11:33
